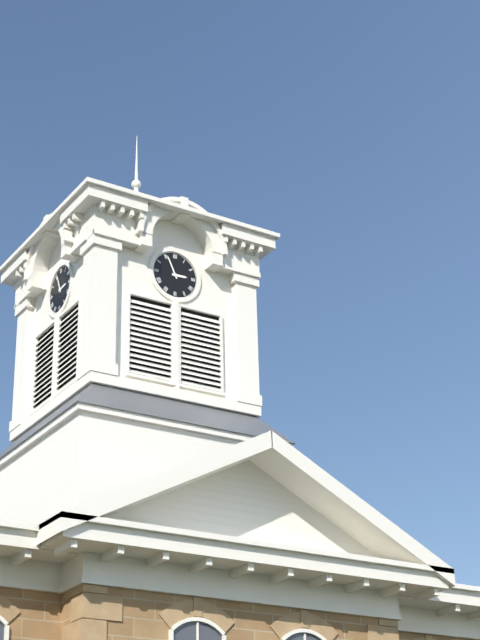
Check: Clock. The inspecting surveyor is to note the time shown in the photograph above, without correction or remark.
2:56
